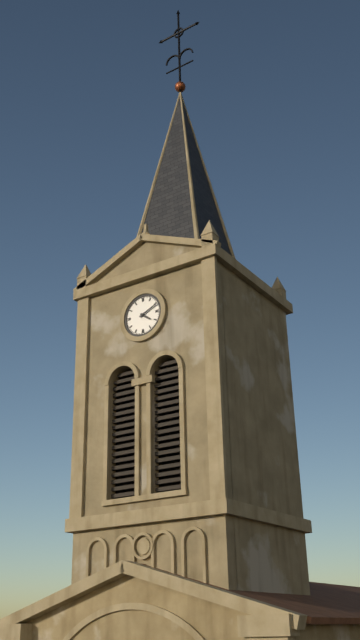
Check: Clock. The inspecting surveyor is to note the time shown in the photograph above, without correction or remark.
4:11
